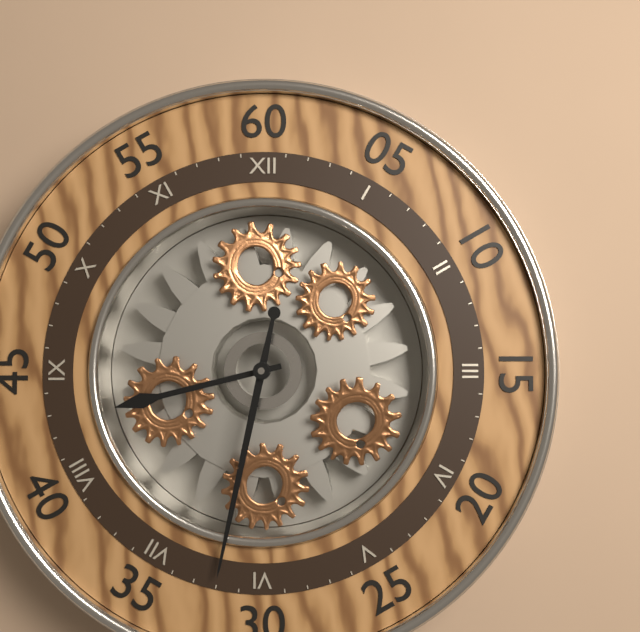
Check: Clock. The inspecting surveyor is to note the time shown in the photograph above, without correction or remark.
8:32
